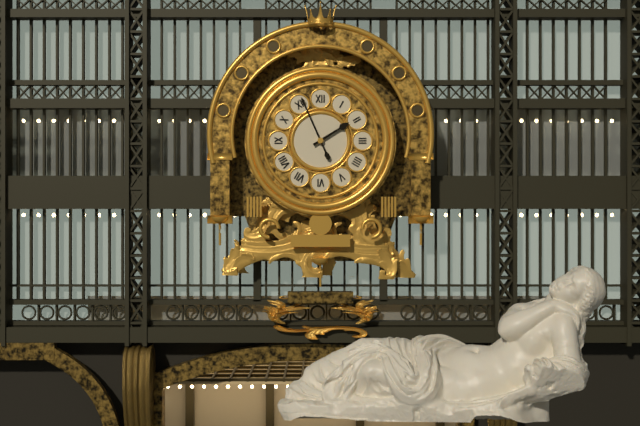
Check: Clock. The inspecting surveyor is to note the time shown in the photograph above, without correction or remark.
1:56
